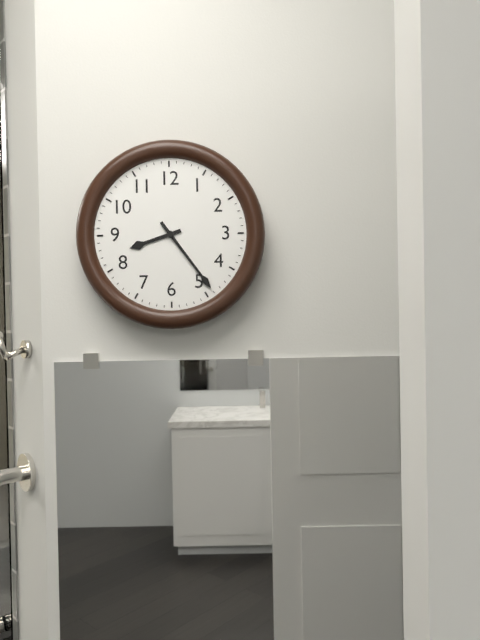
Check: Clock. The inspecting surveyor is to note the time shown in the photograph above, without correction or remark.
8:24
